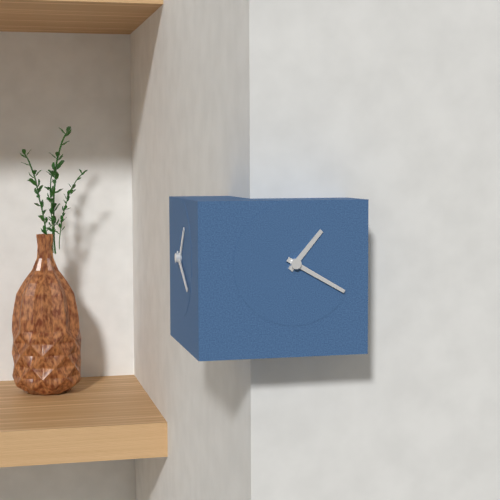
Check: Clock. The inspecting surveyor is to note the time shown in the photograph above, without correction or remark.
1:20
